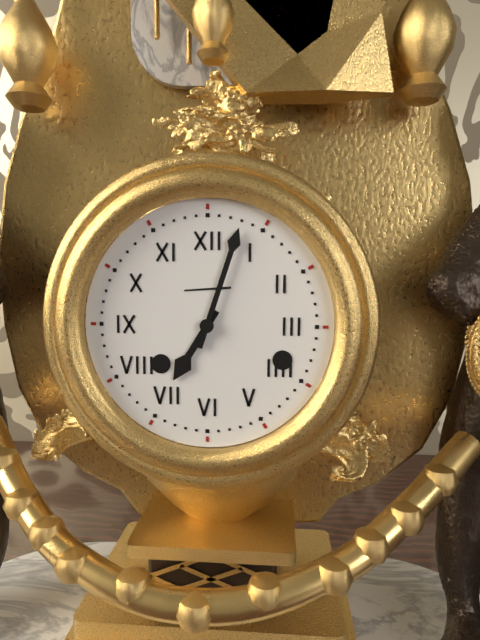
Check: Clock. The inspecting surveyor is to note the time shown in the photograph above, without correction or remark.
7:03
